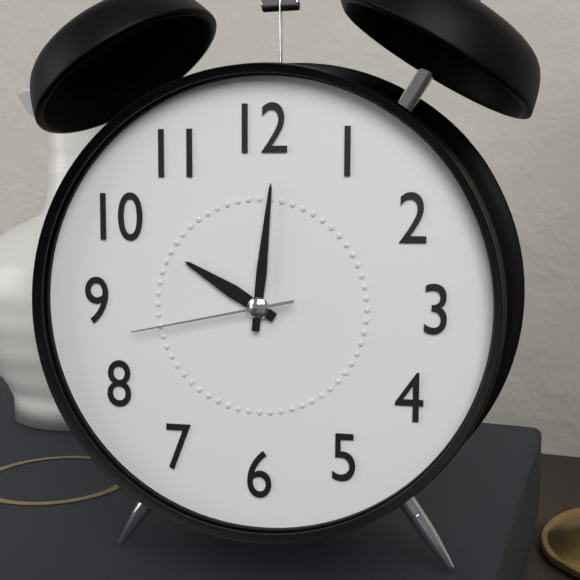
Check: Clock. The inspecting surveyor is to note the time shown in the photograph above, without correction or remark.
10:01:43
